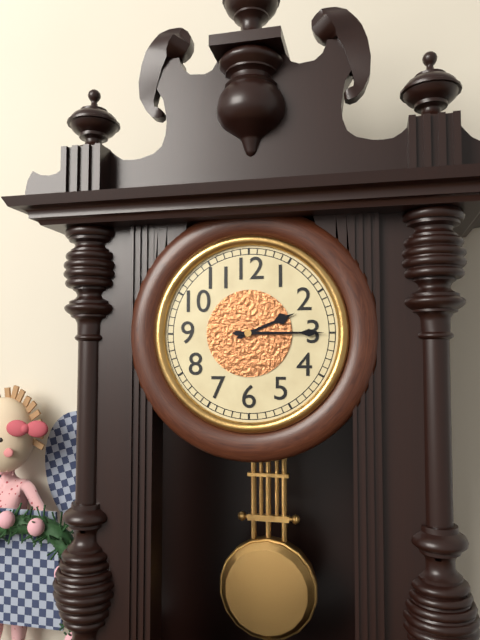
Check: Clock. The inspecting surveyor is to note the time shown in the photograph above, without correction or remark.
2:15
